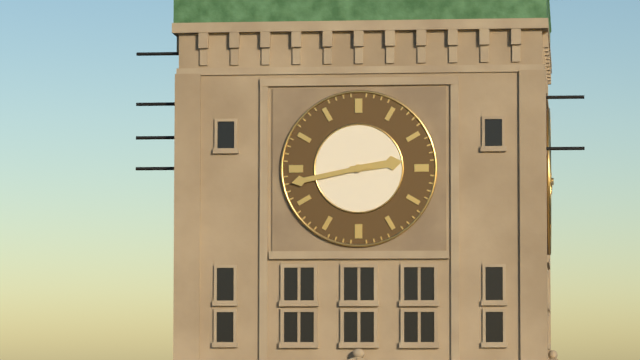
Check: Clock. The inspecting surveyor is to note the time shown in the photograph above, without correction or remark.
2:43
